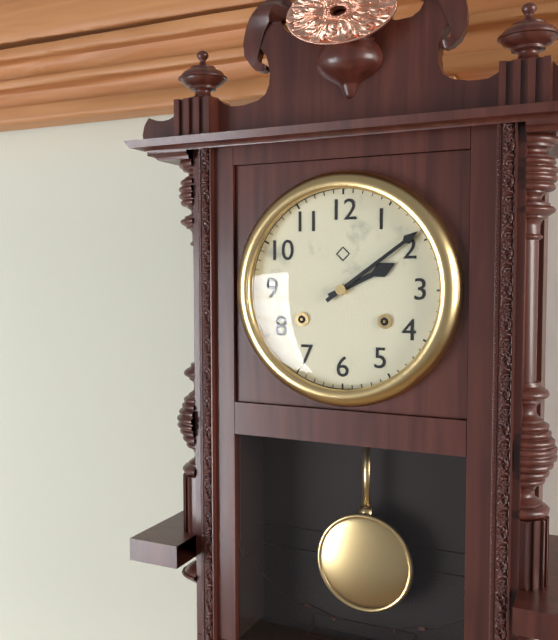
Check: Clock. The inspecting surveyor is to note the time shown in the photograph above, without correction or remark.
2:09
